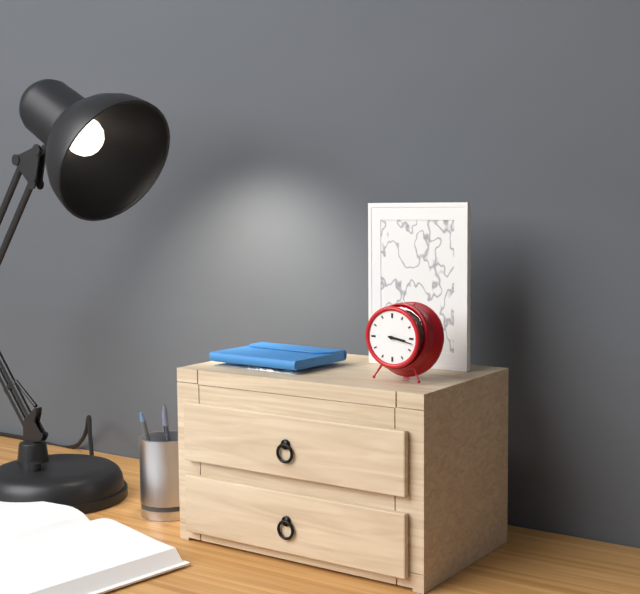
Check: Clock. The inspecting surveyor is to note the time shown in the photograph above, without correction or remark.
3:17
